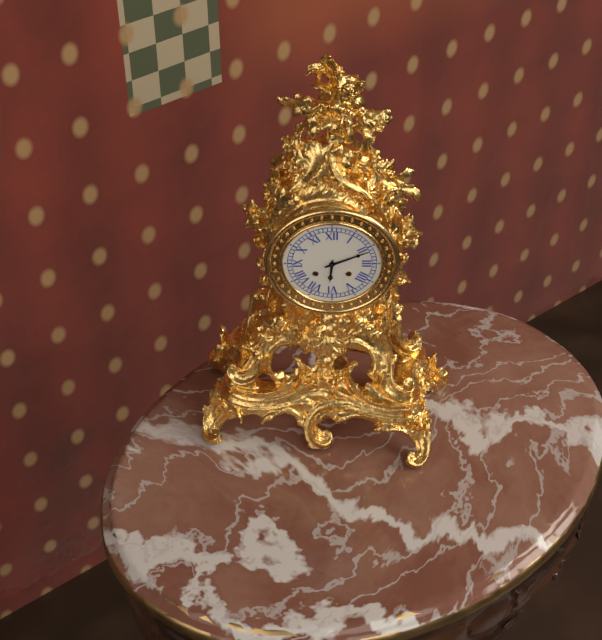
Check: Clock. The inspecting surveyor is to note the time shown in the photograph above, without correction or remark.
6:11
